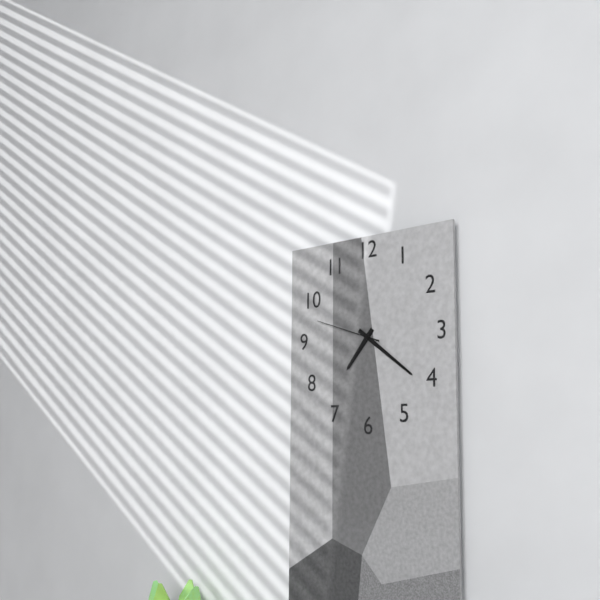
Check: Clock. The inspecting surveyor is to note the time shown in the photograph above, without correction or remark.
7:21:48
